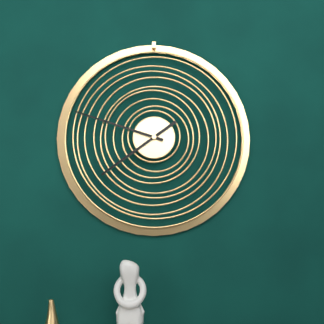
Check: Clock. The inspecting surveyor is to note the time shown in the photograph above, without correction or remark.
7:48
